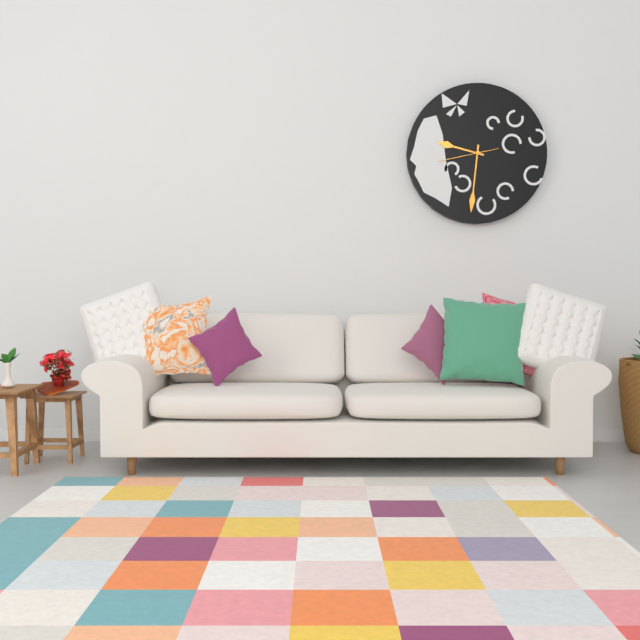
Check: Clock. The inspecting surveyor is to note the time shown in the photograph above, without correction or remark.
9:31:43
